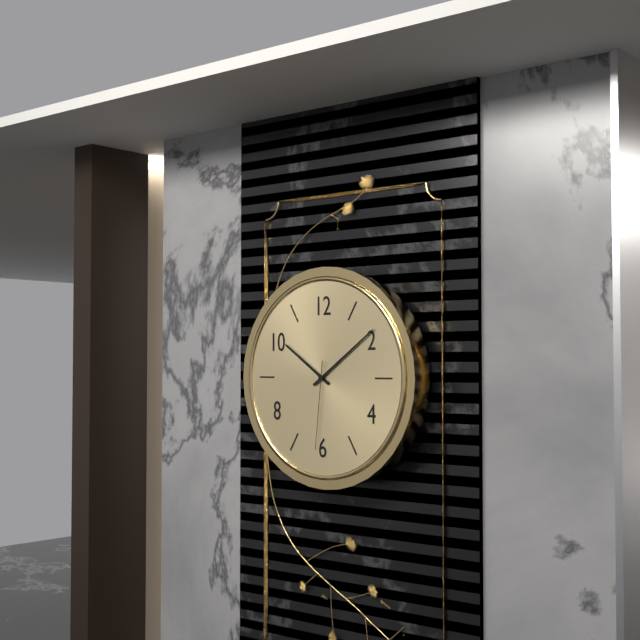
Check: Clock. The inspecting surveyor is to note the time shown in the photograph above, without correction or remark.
10:09:31
